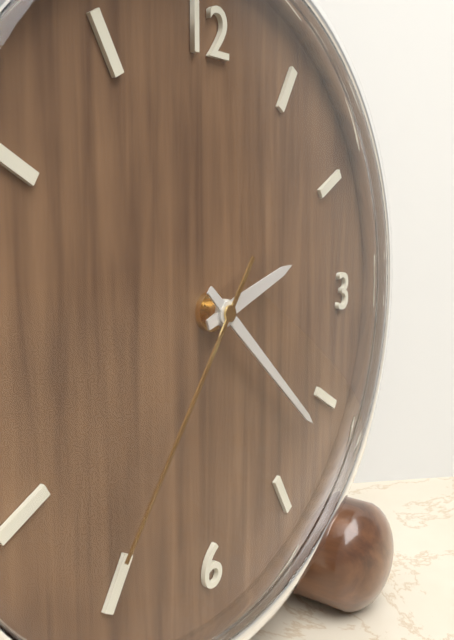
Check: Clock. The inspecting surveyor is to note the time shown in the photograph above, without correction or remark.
2:22:36
